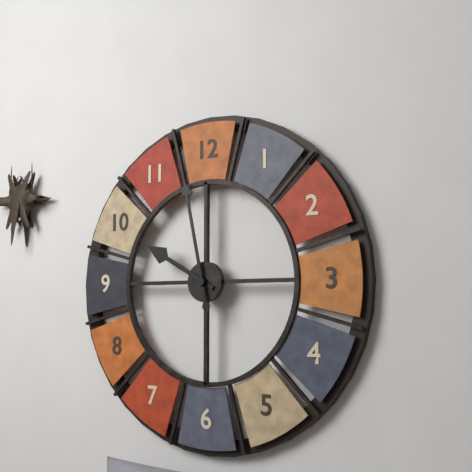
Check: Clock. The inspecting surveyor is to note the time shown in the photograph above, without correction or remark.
9:58
